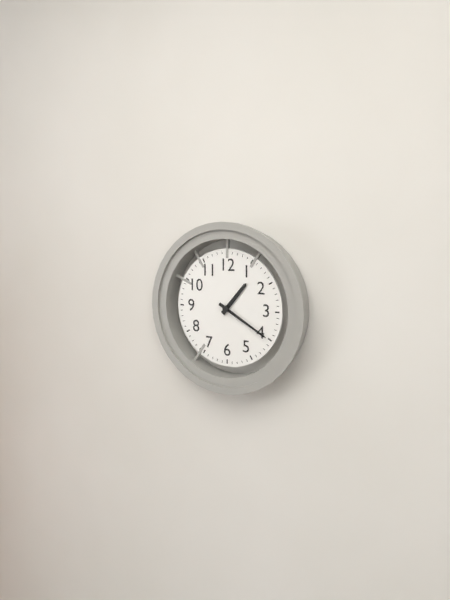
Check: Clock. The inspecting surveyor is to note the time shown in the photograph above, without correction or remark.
1:20
